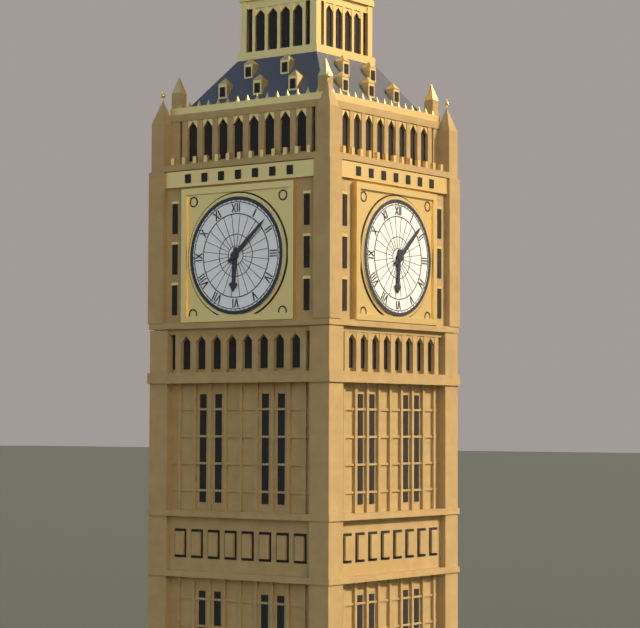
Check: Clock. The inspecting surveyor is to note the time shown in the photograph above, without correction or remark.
6:08
